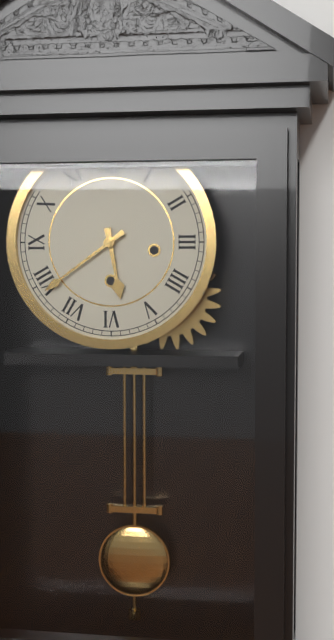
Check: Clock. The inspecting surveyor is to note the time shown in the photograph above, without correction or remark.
5:39
